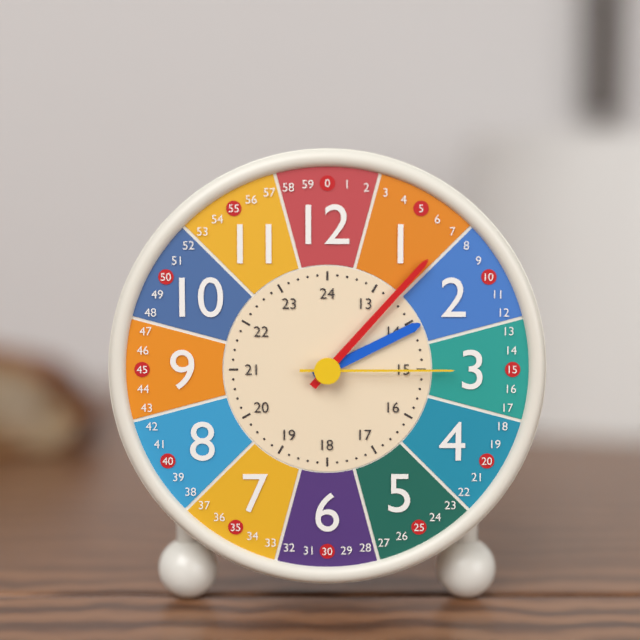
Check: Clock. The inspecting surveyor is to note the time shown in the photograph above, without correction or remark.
2:07:15
